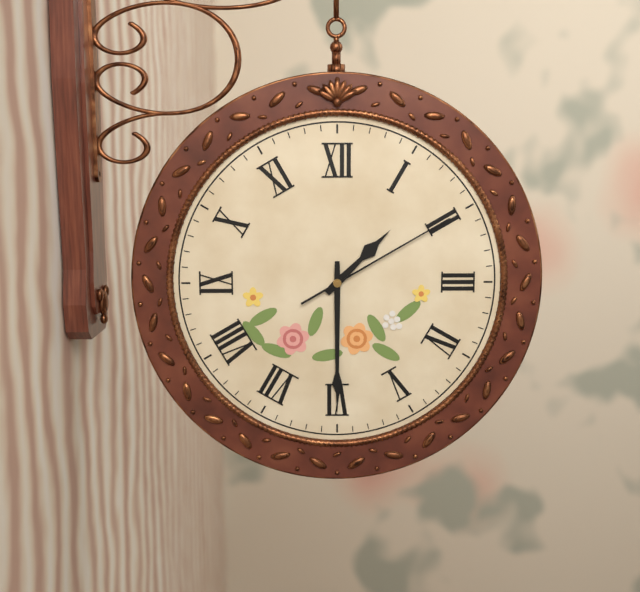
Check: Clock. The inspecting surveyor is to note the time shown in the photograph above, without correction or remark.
1:30:10
